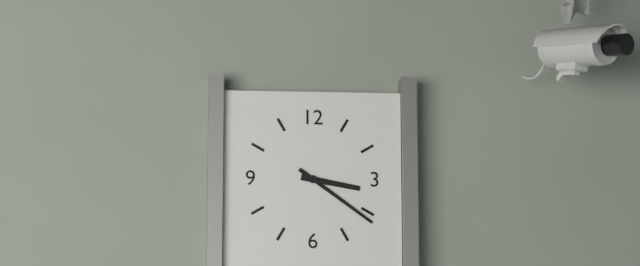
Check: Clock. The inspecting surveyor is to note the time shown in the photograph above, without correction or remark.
3:21
